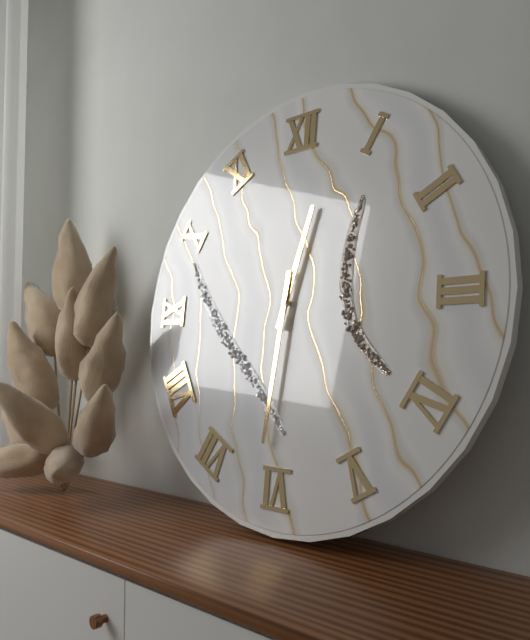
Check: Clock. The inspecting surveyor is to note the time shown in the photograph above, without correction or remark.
12:31
